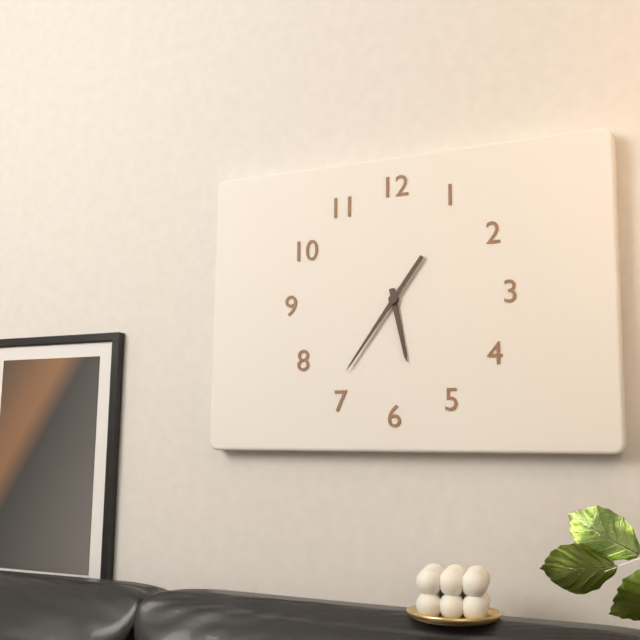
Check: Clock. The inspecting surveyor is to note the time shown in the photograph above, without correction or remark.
5:36
